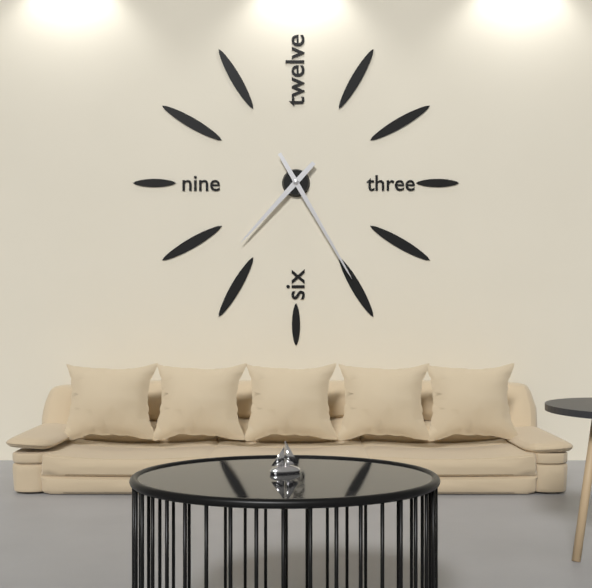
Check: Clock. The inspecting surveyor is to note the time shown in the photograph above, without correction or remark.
7:25
